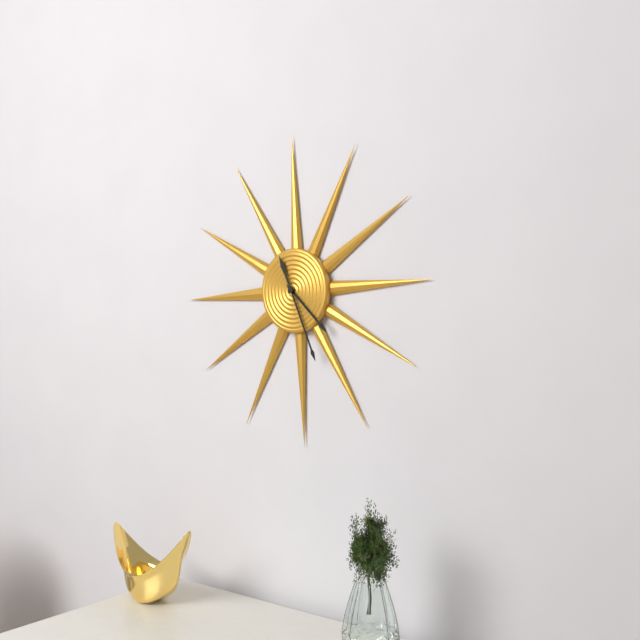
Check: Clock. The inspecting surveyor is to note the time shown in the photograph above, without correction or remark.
4:26
